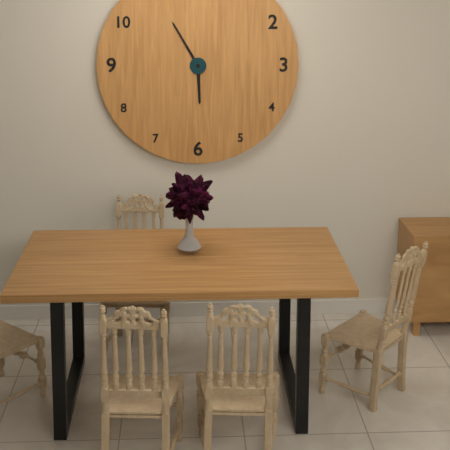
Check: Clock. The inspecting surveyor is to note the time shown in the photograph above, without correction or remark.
5:55
